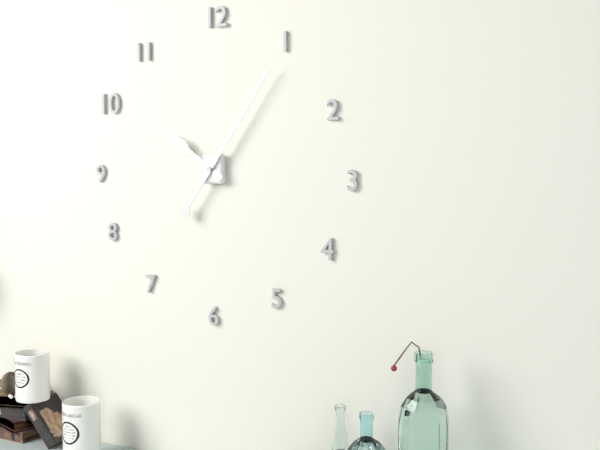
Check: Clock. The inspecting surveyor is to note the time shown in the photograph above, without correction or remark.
10:06
